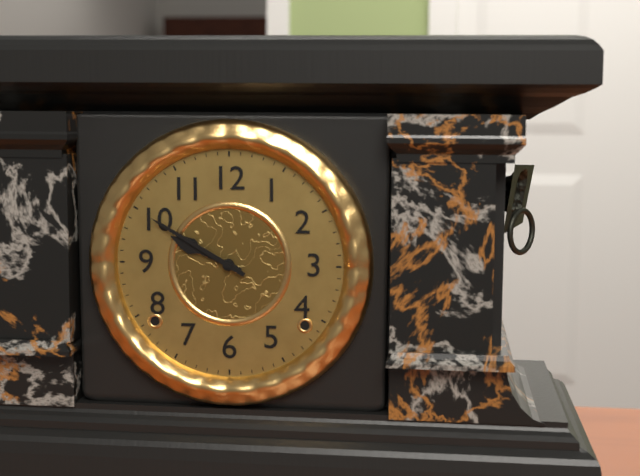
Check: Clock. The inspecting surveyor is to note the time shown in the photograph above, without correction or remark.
9:50
